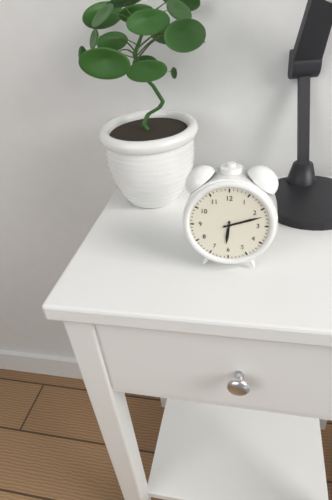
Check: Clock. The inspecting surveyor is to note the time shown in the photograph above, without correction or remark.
6:12
